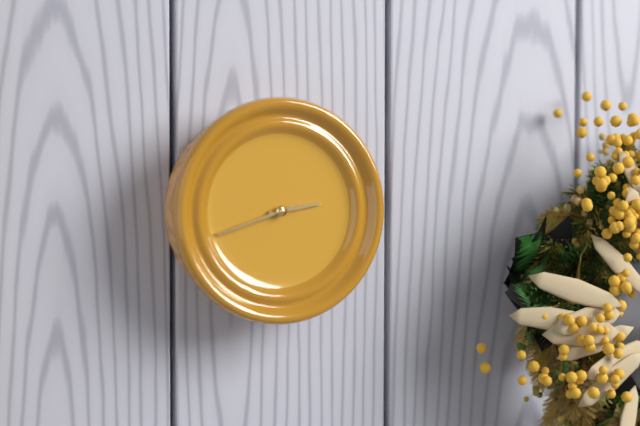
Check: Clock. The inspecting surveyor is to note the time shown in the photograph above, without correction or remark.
2:42
